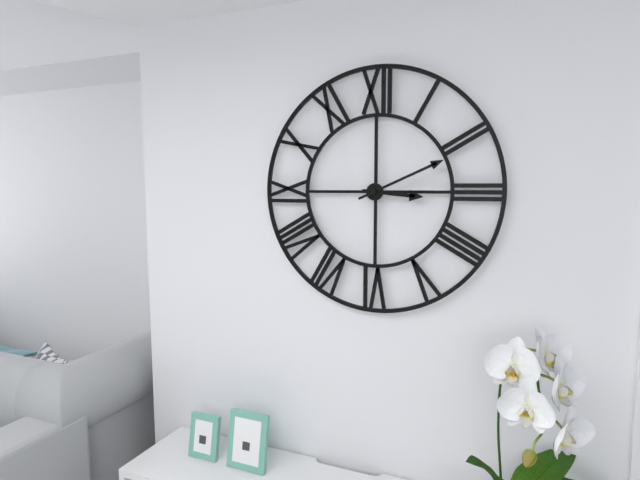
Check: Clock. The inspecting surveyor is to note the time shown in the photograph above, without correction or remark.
3:11
